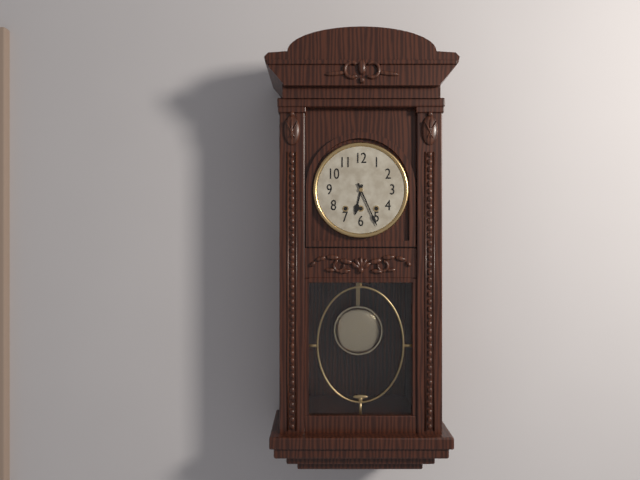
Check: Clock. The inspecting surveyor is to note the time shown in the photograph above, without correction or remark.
6:26
